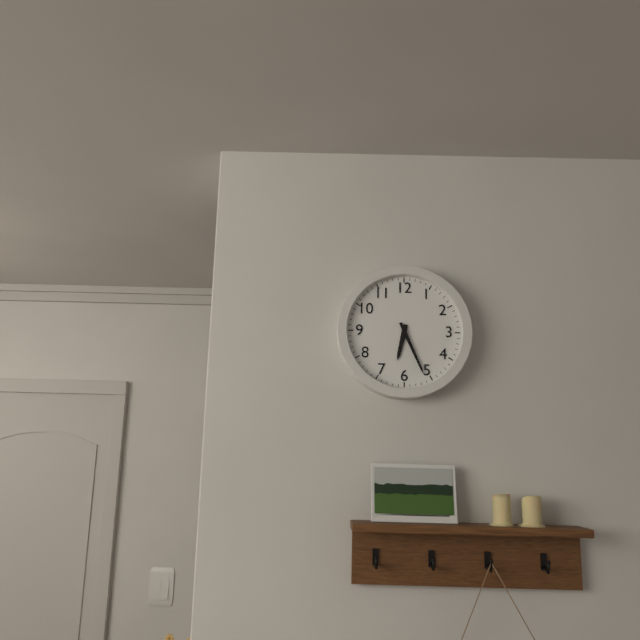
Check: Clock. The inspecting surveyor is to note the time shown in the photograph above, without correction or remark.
6:26
